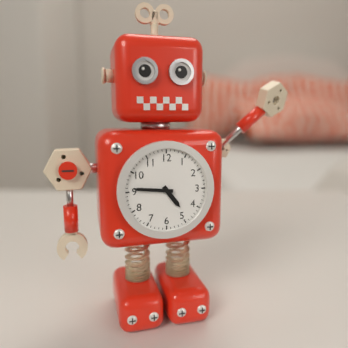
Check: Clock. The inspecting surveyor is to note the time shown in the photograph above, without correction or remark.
4:46
